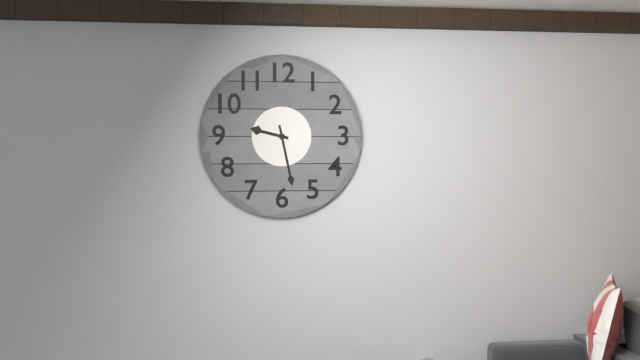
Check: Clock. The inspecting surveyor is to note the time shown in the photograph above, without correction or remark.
9:28
